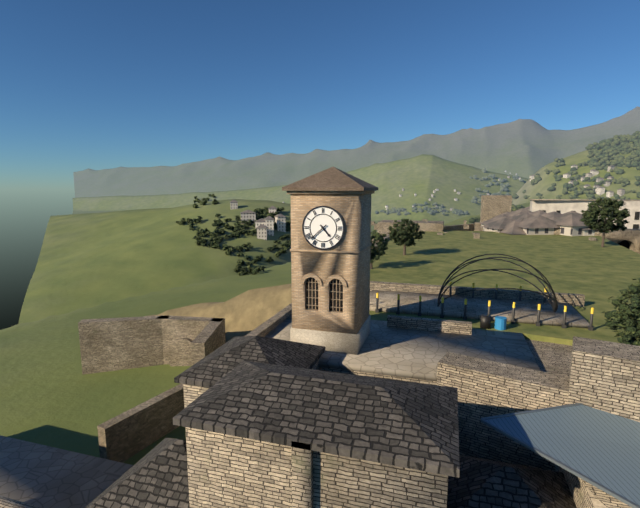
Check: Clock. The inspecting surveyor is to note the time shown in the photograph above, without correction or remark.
4:38
